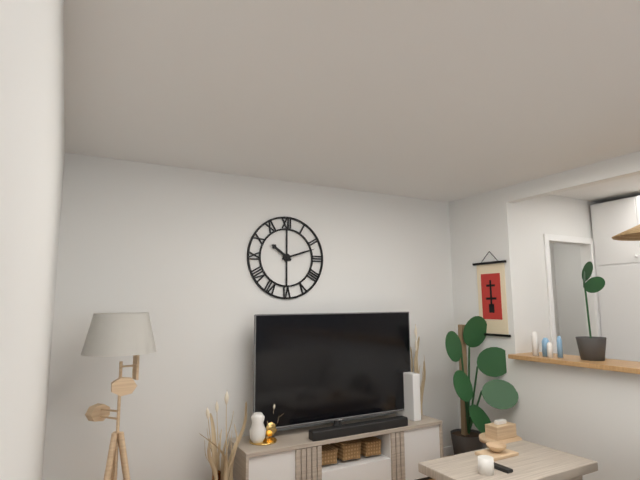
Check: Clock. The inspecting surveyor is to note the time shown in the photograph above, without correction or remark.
10:12
